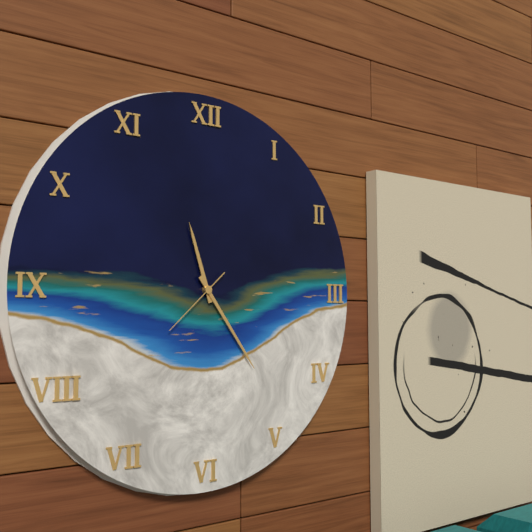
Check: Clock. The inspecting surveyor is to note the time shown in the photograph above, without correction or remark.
11:24:38
